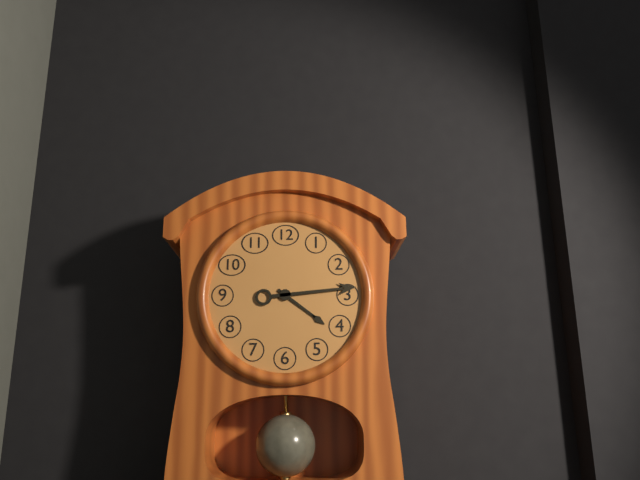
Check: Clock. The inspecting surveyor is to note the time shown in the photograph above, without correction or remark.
4:14
